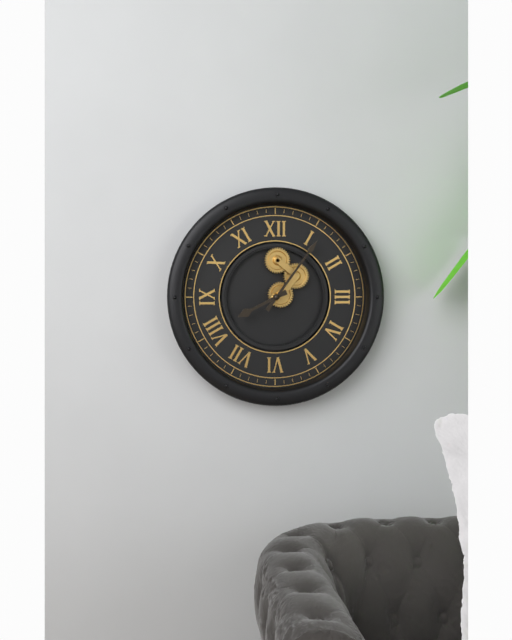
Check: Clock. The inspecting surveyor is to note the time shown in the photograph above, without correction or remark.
8:06
